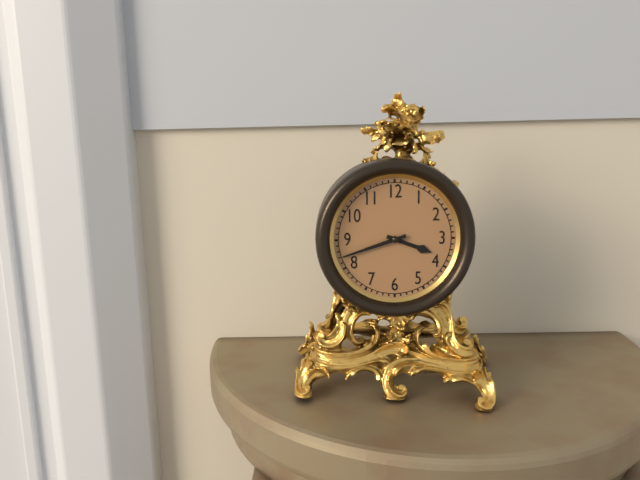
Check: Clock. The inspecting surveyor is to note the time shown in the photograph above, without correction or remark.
3:42
